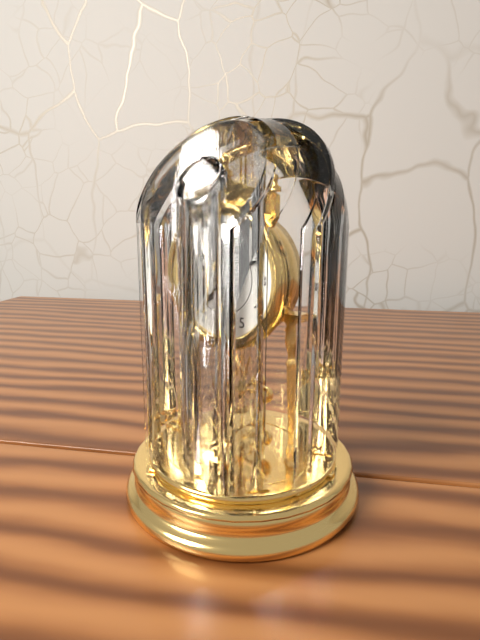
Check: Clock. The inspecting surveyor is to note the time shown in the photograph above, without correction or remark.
7:11
